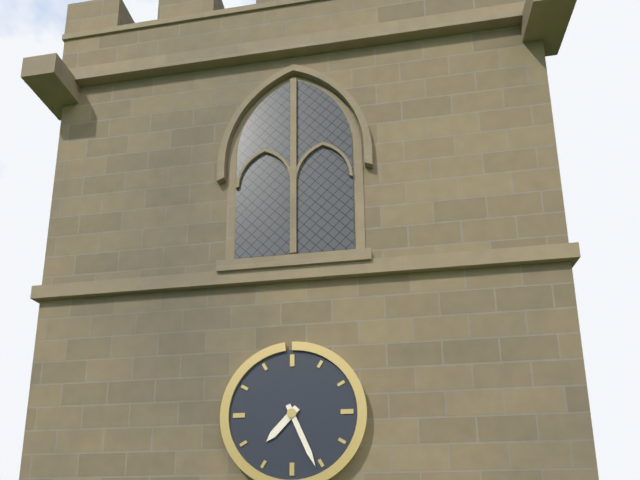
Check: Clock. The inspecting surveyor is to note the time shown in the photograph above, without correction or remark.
7:26
